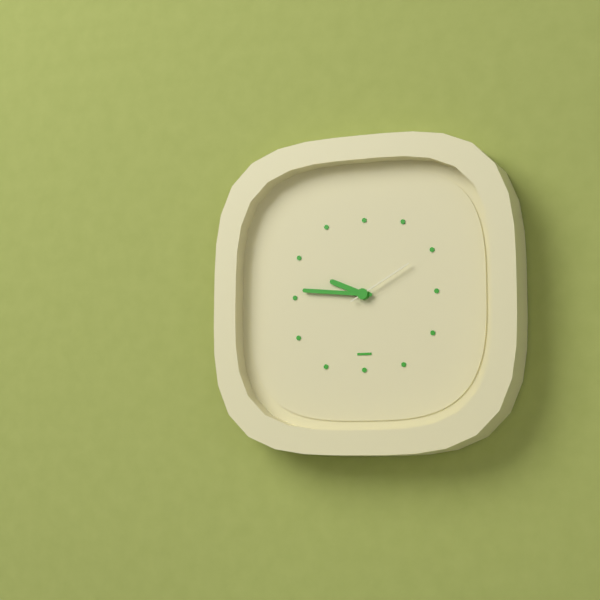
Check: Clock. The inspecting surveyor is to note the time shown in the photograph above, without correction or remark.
9:46:10
